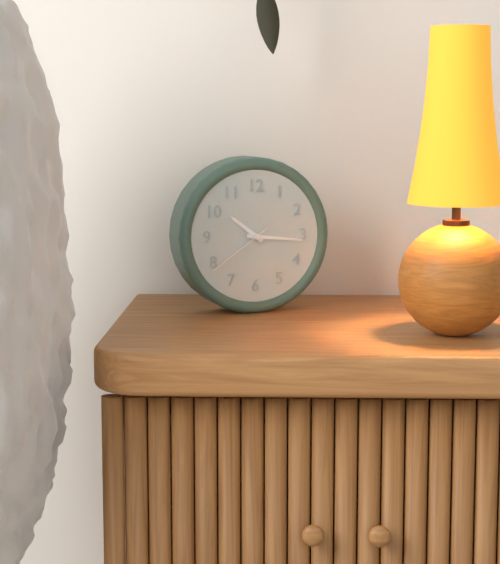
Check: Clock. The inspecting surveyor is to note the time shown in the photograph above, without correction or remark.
10:16:39
